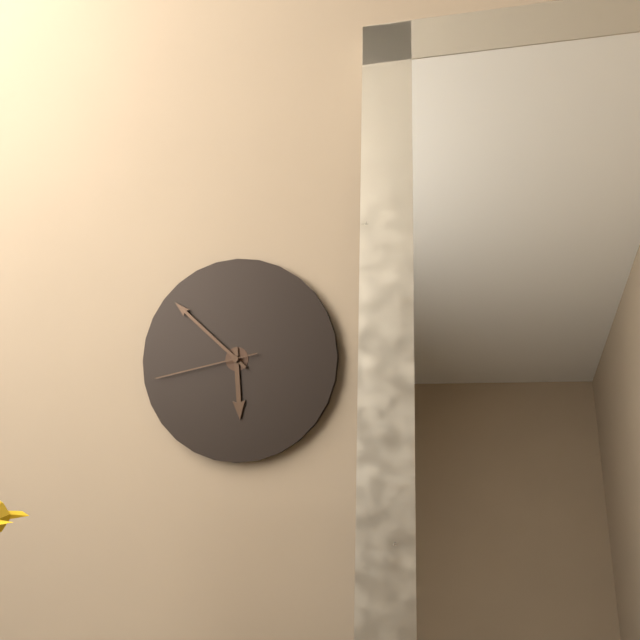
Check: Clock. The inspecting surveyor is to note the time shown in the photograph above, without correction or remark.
5:52:43
